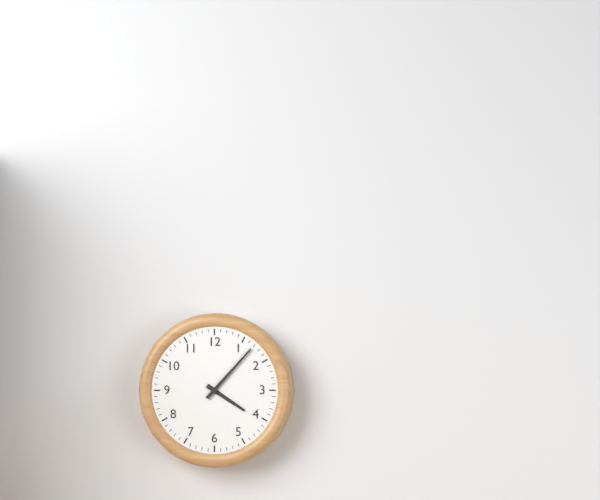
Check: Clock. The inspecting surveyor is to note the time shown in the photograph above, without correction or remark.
4:07
